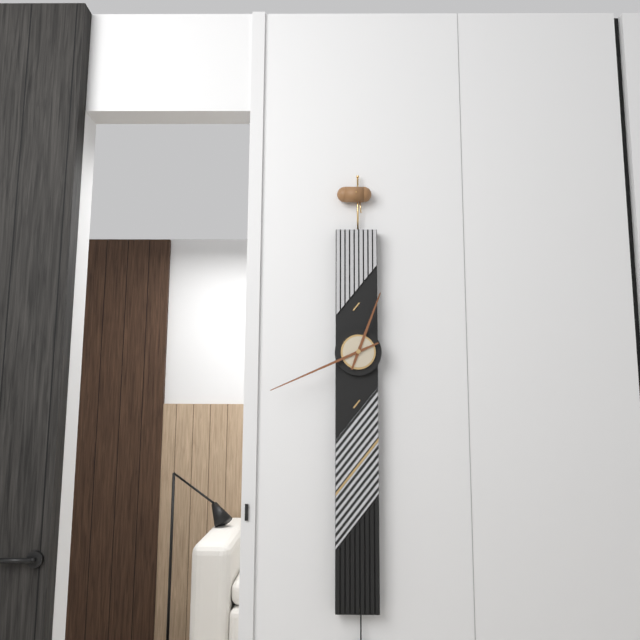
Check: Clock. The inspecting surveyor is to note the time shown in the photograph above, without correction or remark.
12:41
